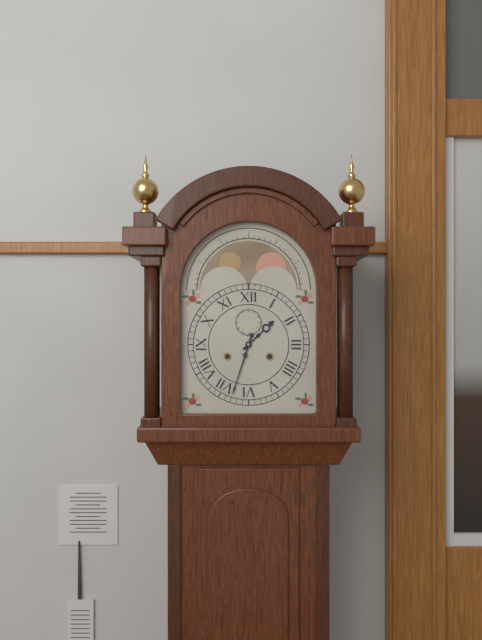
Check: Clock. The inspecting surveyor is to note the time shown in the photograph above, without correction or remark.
1:33
